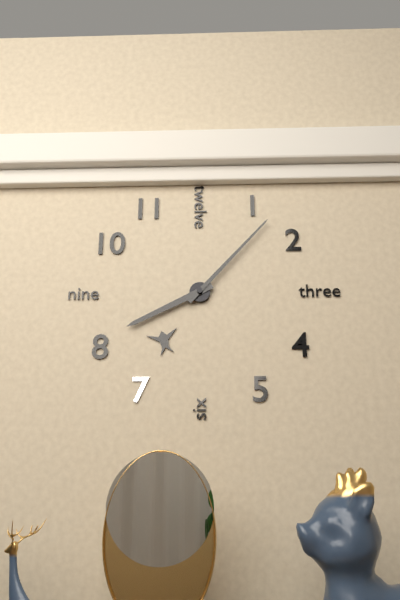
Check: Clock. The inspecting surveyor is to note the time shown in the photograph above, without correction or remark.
8:07
